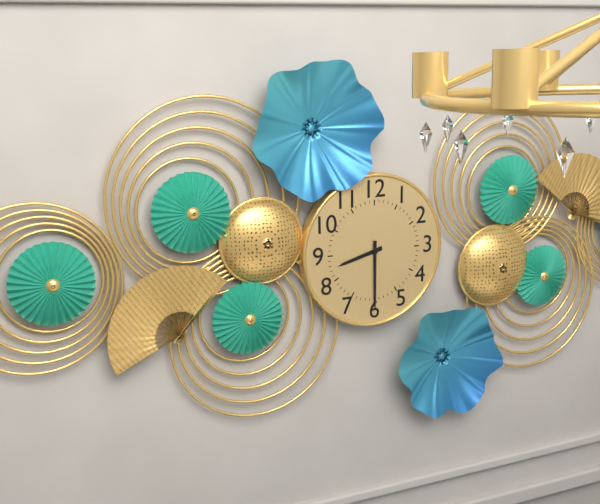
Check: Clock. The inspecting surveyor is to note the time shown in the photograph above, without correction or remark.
8:30
